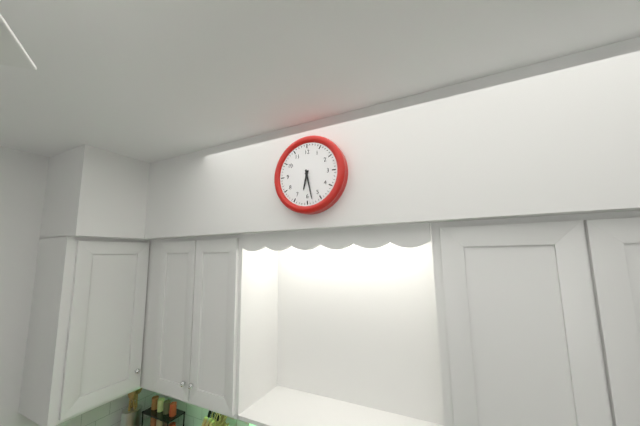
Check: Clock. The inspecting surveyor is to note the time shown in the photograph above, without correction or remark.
6:28
